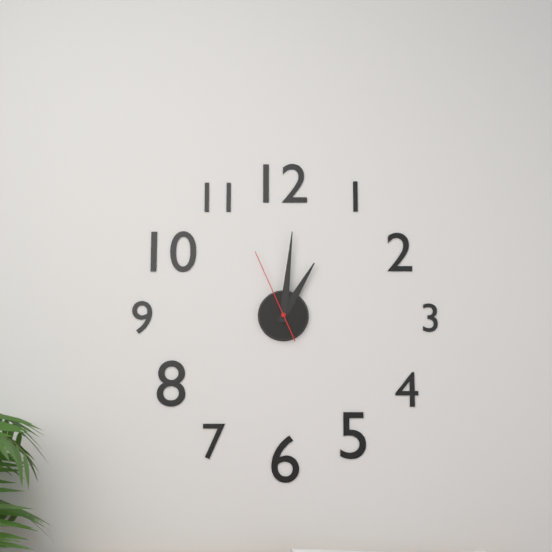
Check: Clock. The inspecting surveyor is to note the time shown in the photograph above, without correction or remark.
1:01:56
